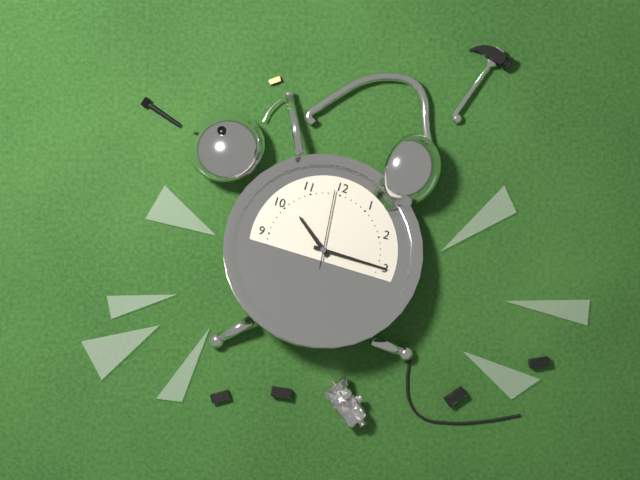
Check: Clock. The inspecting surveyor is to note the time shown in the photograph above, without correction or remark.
10:15:59
